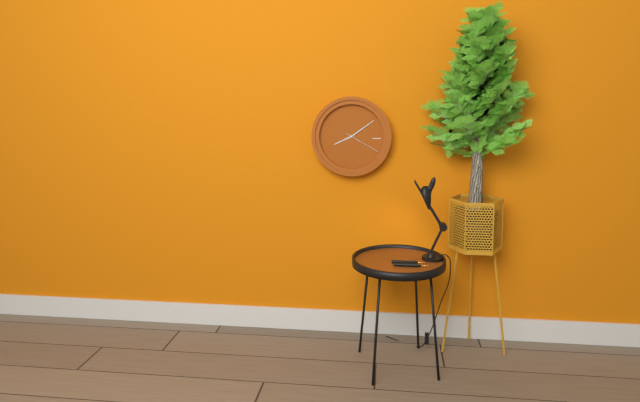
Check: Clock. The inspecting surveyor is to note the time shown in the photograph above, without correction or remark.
8:09
